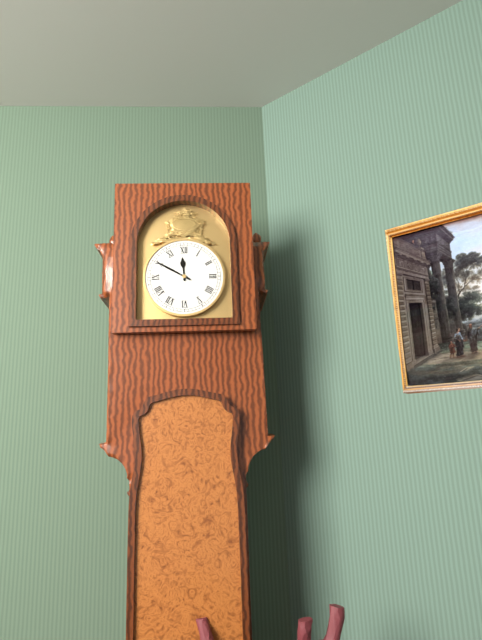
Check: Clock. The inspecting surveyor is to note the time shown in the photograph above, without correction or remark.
11:50
